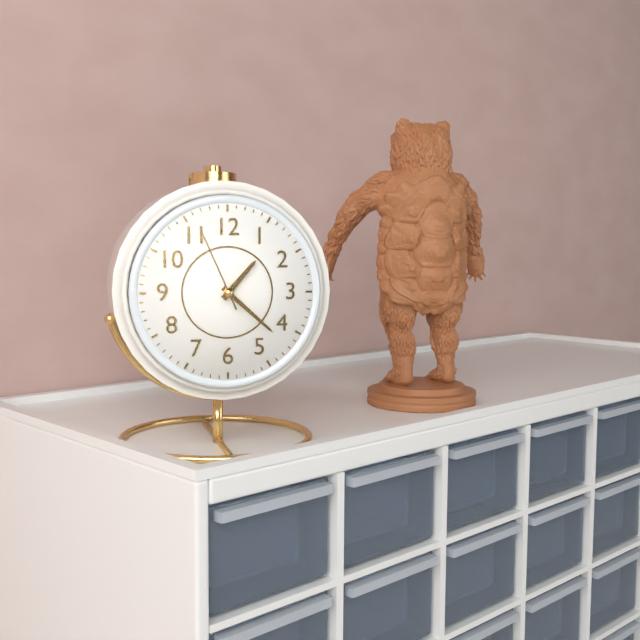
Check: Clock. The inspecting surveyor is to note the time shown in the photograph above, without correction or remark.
1:22:56
